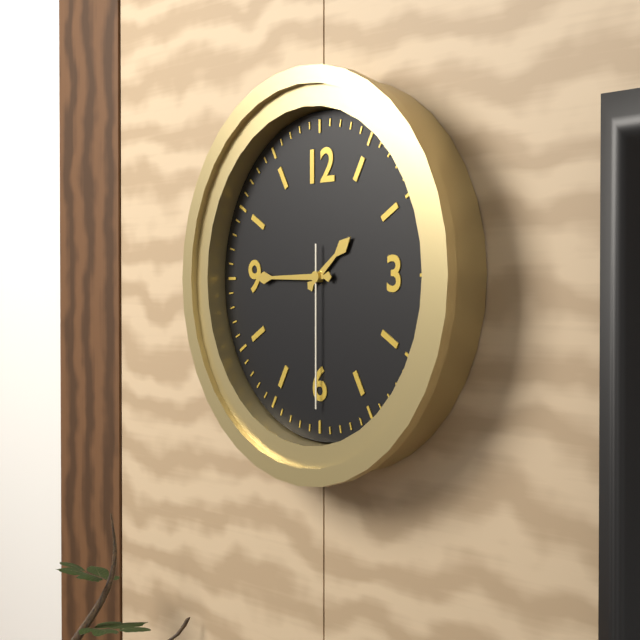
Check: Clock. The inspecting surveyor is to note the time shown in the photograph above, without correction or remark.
1:45:30
